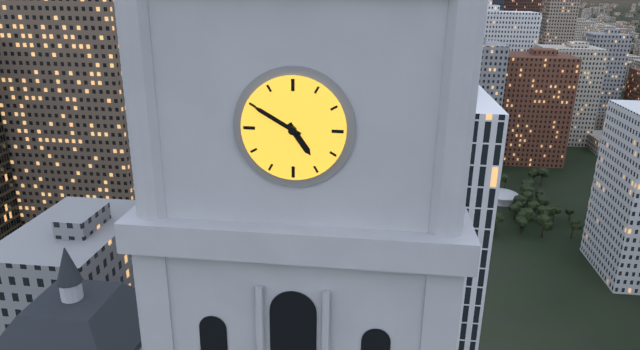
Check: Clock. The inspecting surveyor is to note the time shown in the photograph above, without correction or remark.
4:50
